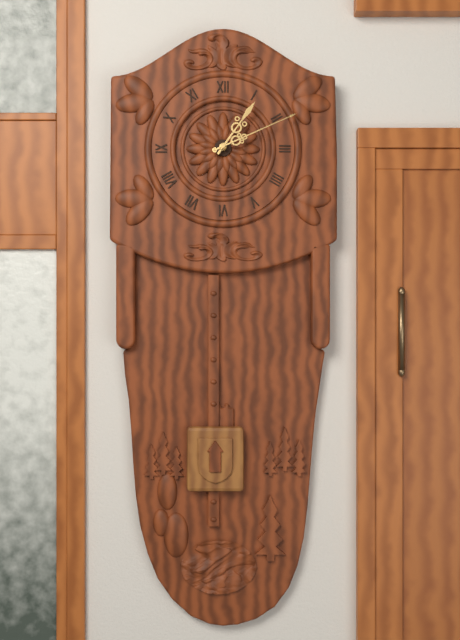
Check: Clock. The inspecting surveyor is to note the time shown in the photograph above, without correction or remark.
1:11
